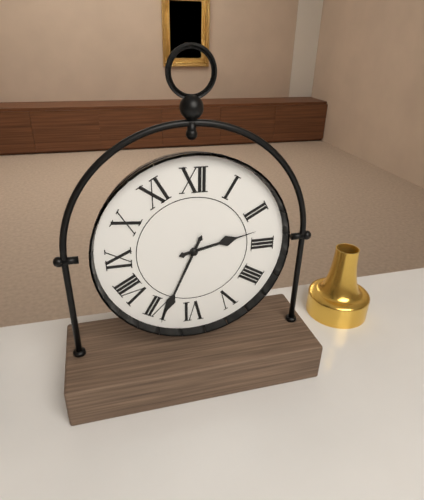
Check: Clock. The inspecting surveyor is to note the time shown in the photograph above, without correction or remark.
2:34
